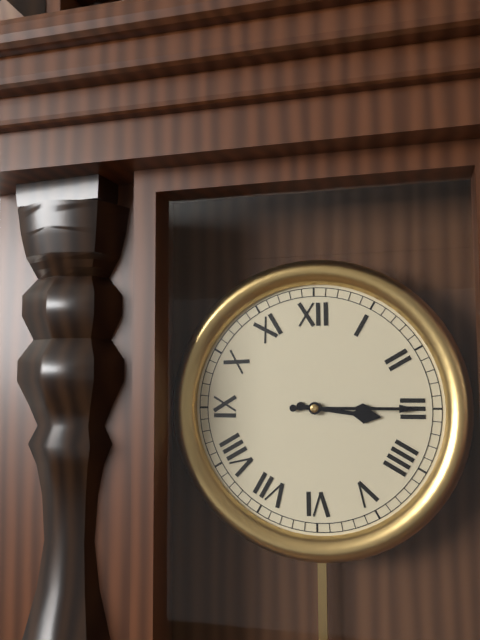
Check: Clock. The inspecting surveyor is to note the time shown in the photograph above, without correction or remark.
3:15
